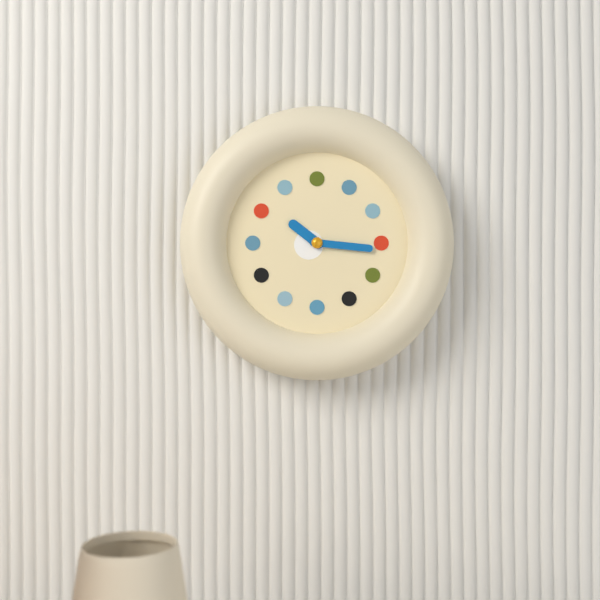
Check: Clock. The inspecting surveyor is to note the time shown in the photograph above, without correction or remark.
10:16
